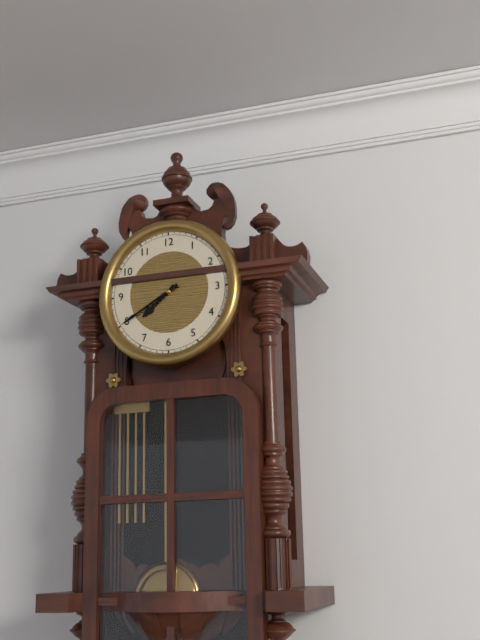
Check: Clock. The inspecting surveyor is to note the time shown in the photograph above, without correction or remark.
7:40
